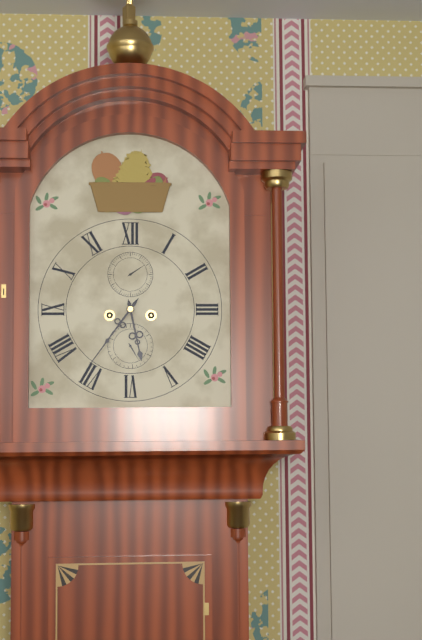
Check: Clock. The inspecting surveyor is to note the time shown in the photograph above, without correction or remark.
5:36
